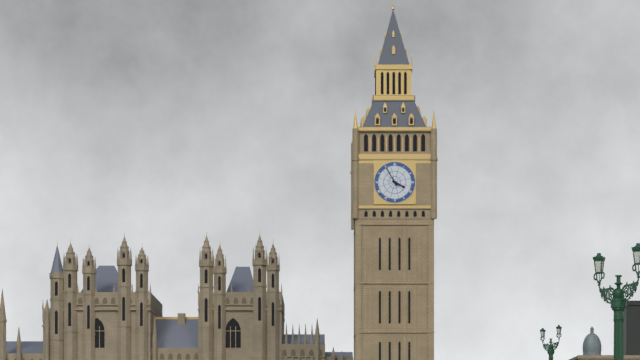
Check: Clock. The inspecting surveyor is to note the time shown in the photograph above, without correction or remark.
3:55
